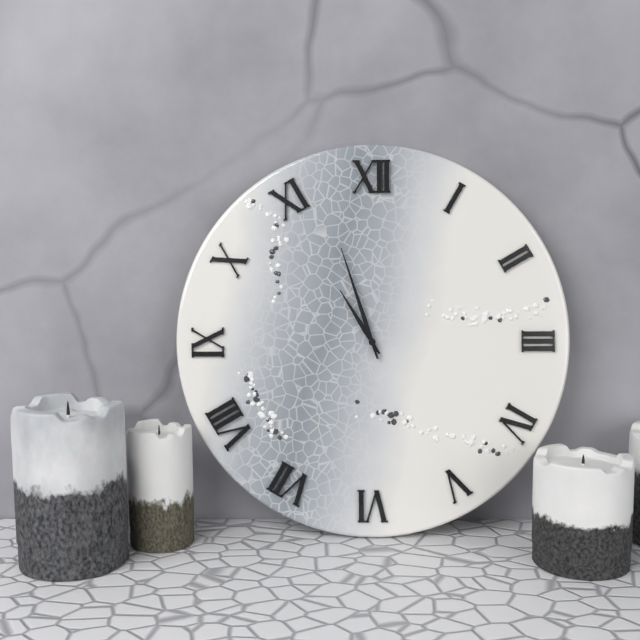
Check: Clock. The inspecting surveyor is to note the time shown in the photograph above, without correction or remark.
10:57
